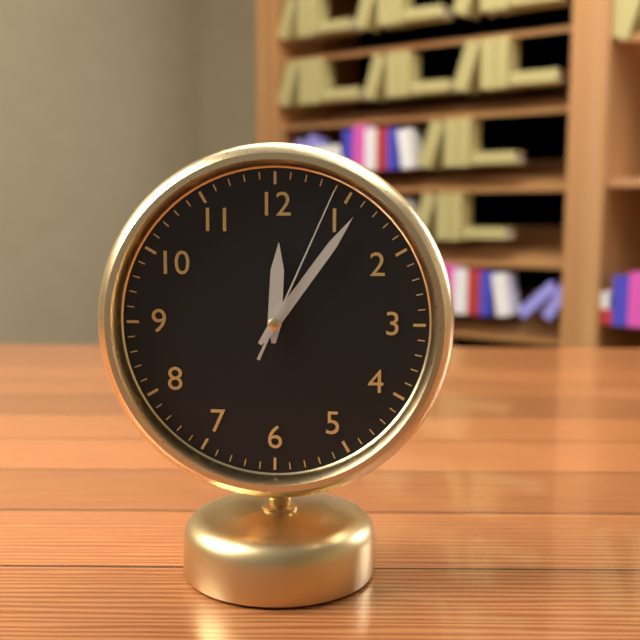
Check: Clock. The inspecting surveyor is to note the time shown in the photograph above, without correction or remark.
12:06:04
